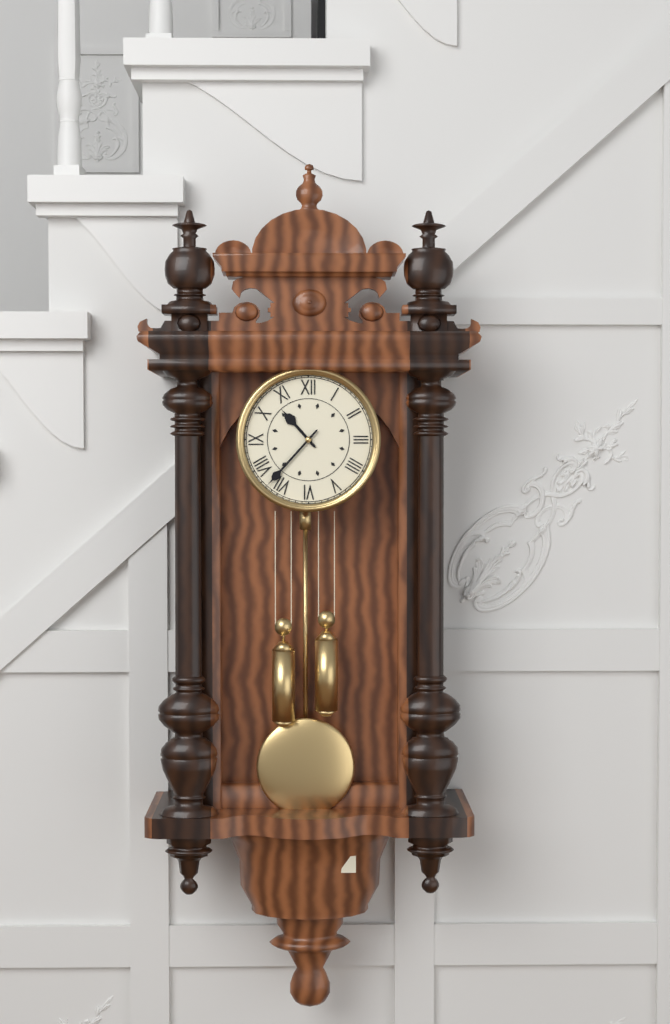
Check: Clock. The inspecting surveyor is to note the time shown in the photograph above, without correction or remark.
10:37
